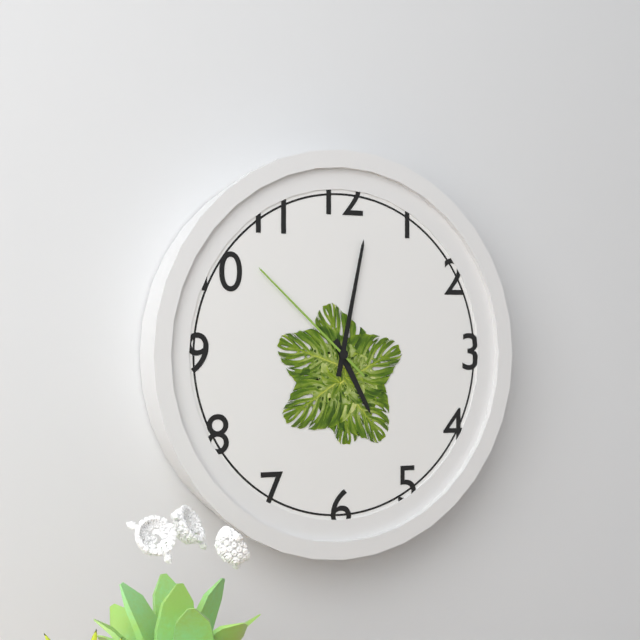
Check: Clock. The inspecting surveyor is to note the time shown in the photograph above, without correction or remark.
5:02:52
